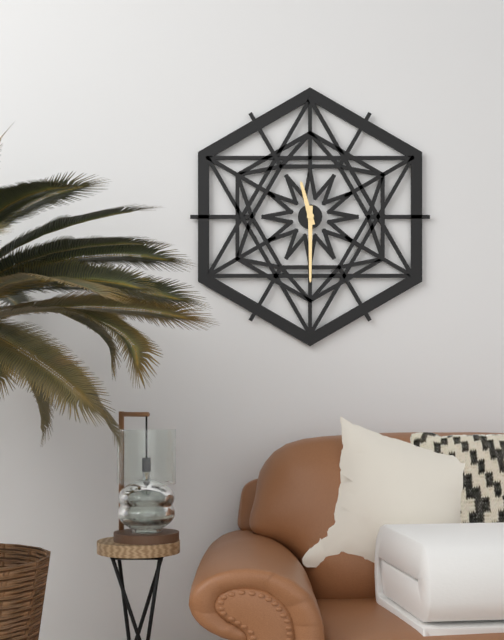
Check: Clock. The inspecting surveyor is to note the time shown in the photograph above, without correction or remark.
11:30
